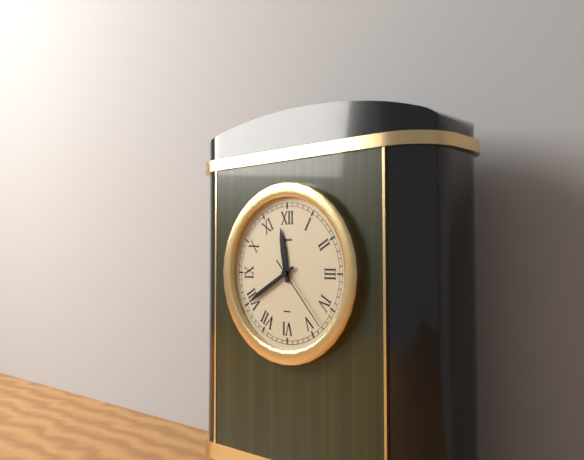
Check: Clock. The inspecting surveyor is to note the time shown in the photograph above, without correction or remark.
11:40:23
